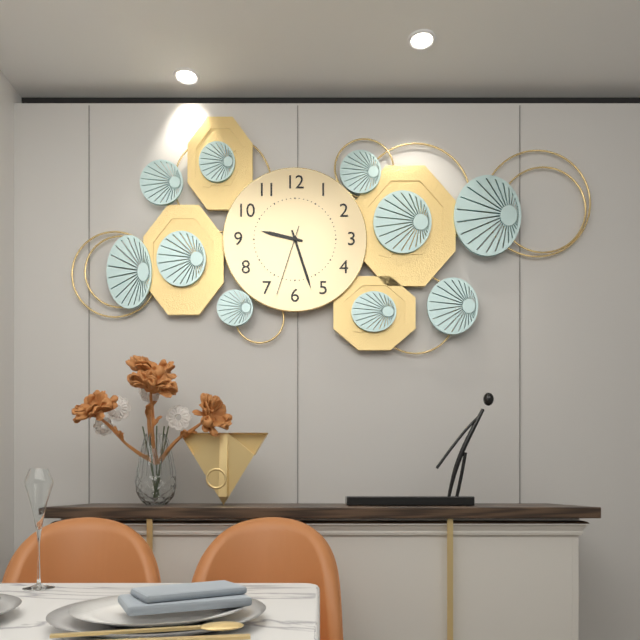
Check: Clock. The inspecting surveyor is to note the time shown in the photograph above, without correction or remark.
9:27:33
